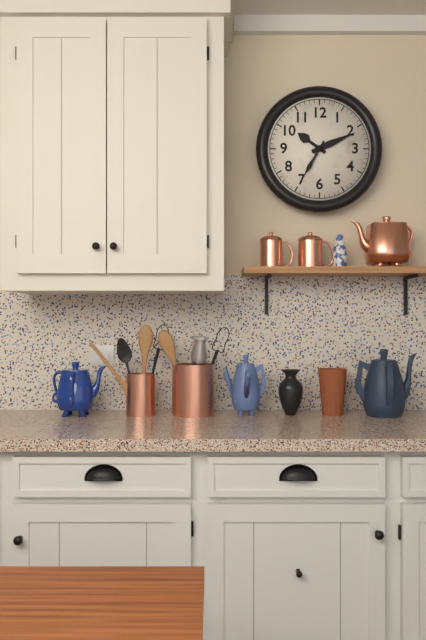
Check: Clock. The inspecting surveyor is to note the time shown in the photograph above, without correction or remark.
10:11
